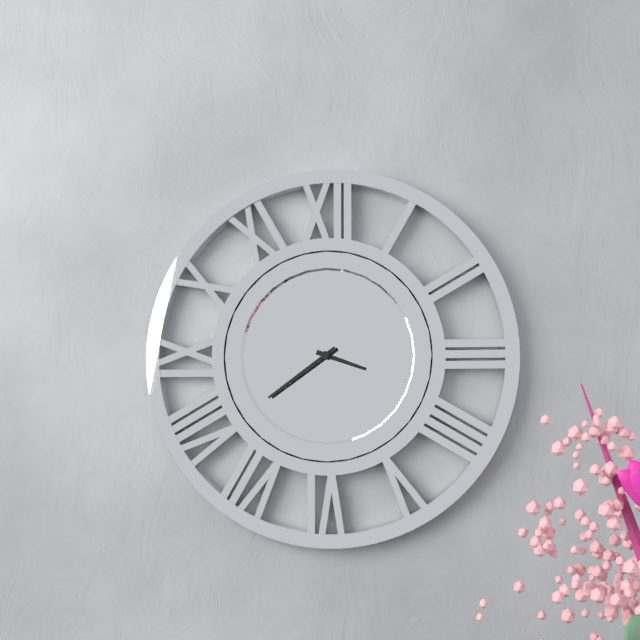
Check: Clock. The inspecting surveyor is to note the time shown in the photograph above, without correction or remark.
3:39
